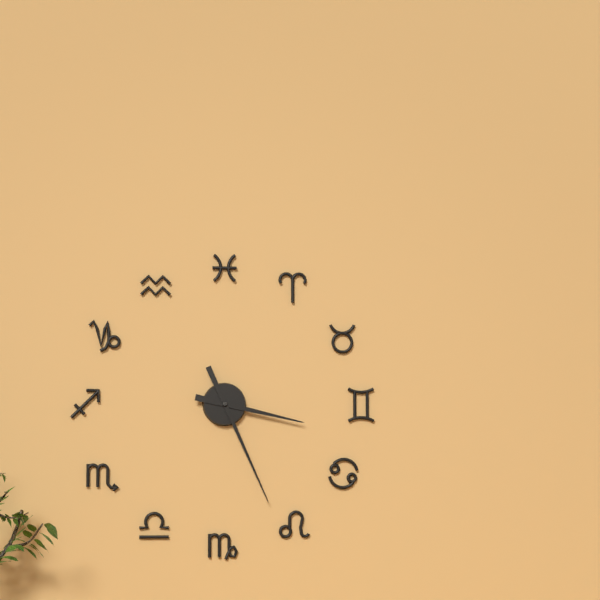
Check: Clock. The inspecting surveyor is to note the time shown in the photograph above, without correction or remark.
3:26
